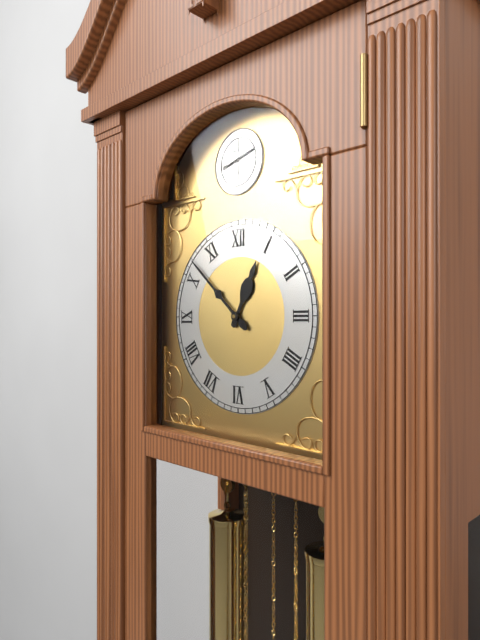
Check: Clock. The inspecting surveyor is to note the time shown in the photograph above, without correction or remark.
12:52
